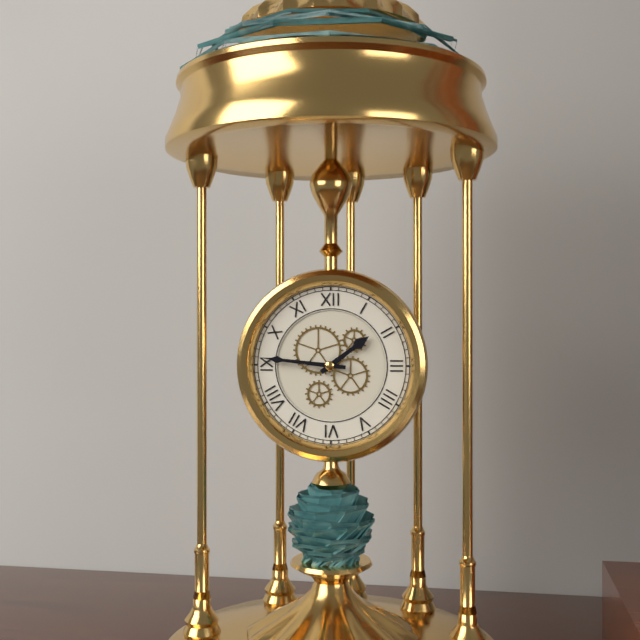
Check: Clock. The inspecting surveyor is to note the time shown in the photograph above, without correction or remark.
1:46
